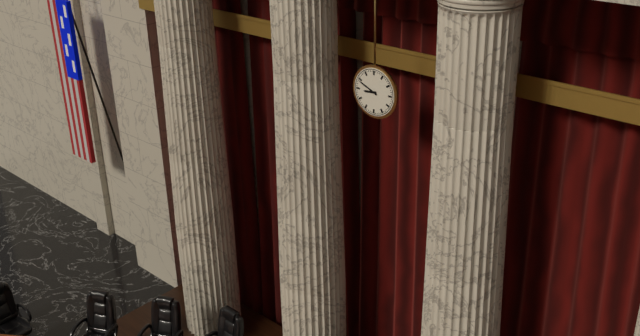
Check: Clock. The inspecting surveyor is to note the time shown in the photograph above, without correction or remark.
8:49
